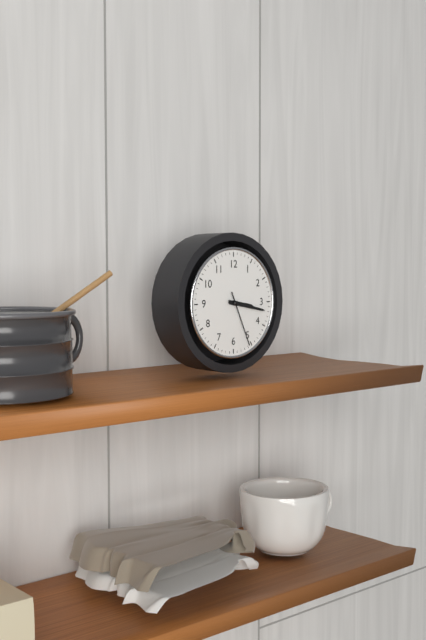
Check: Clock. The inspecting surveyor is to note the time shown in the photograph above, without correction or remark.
3:17:26
